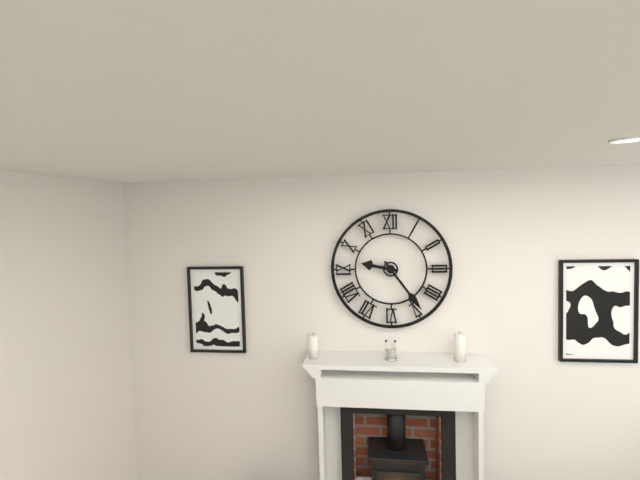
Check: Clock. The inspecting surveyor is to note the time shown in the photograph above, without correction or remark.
9:24
